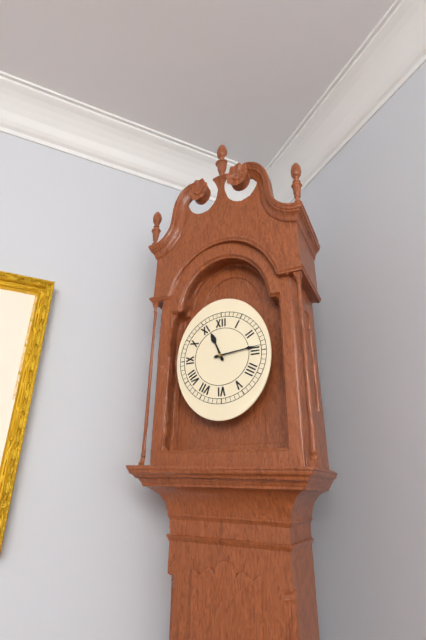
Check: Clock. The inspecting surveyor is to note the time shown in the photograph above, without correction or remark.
11:14
